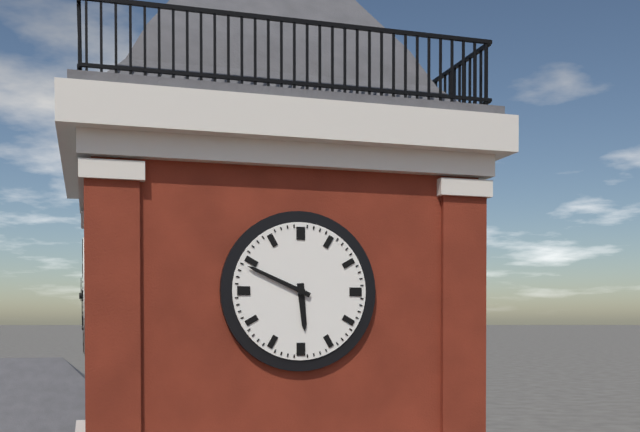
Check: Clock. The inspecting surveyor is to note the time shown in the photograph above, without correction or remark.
5:49
